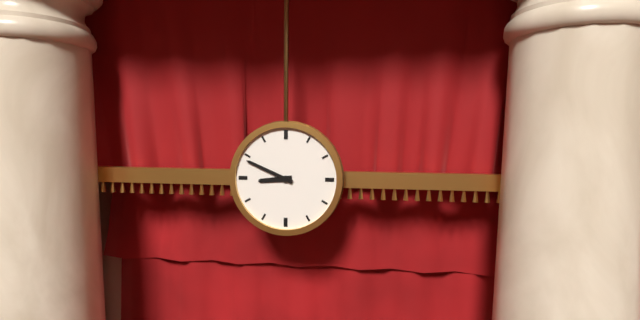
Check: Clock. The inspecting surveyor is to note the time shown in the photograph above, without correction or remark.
8:49
